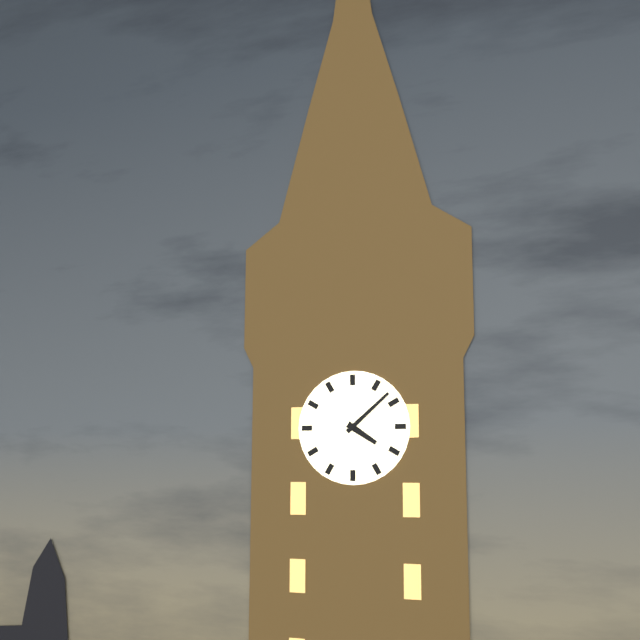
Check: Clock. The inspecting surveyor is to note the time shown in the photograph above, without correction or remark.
4:08
